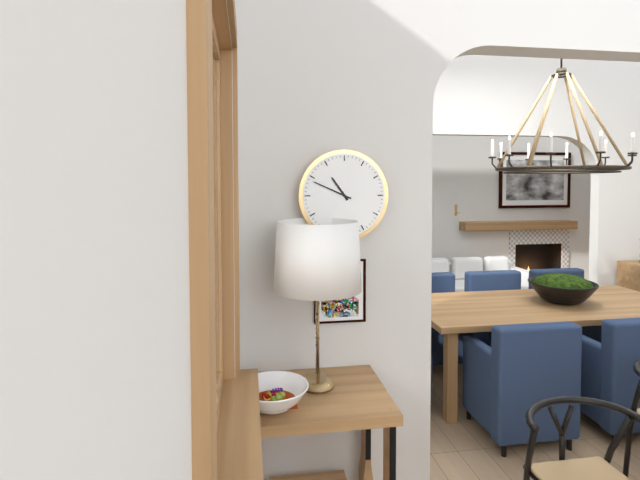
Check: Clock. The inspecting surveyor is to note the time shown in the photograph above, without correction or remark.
10:49
